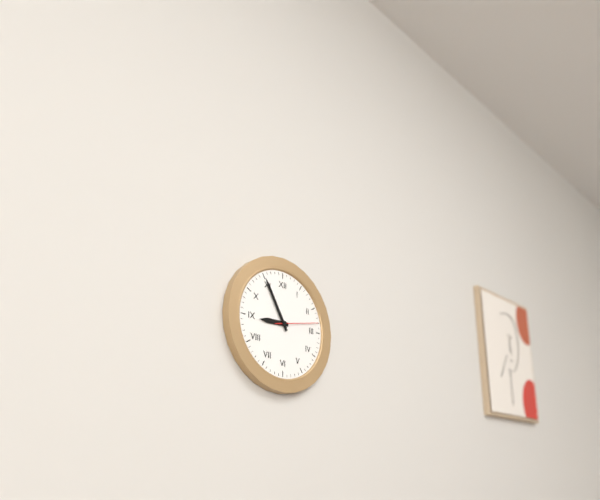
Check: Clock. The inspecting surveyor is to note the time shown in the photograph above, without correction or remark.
8:55
